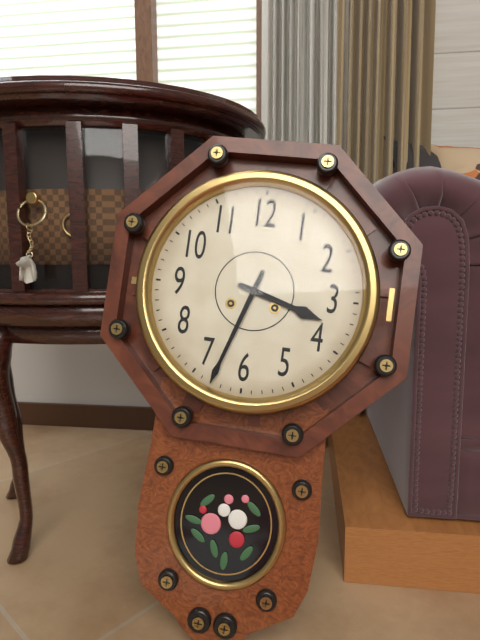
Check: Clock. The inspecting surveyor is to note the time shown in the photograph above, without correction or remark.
3:33
